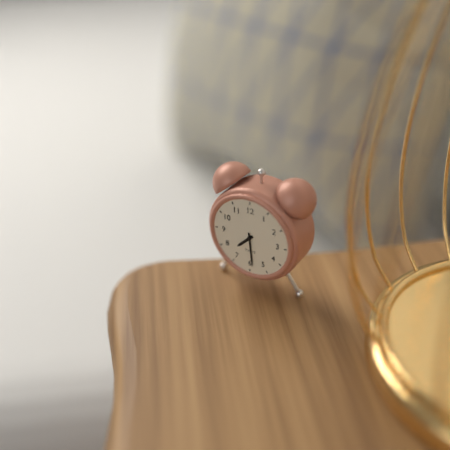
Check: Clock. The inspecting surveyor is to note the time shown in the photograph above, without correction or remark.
7:29
